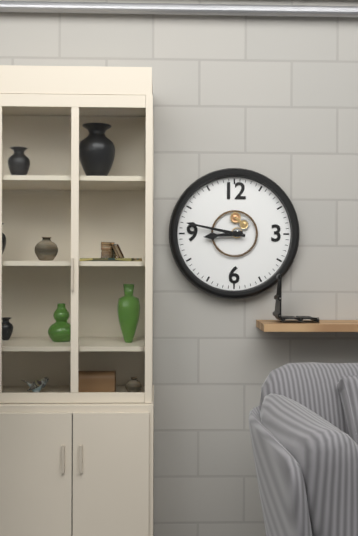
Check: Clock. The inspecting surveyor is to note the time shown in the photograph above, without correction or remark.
8:47
